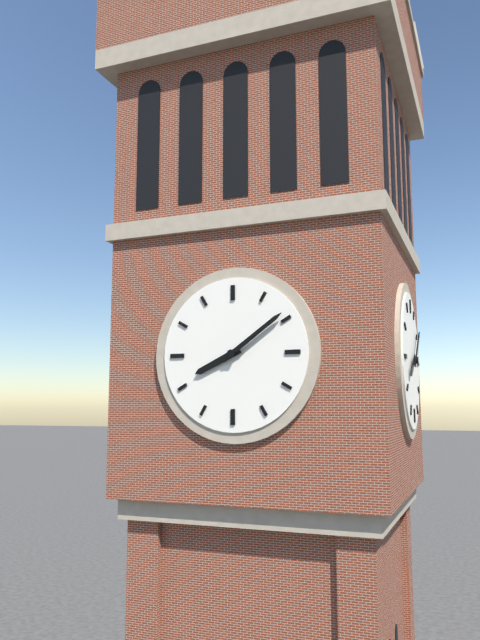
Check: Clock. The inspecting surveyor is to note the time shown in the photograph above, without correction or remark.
8:09
